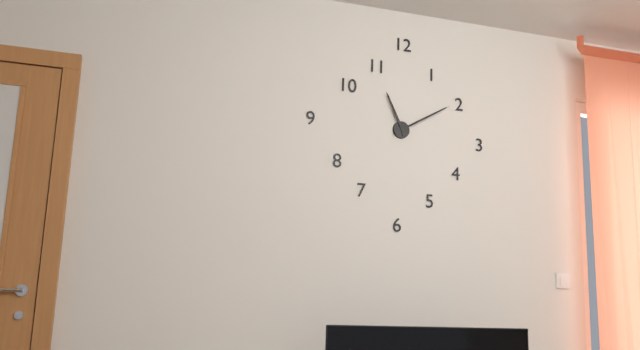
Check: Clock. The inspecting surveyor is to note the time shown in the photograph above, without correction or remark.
11:10
